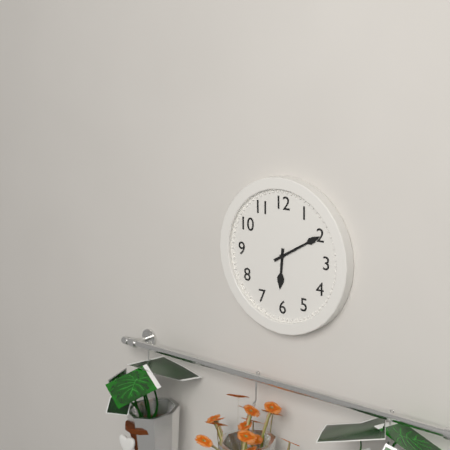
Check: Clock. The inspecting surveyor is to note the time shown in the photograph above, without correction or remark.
6:10
